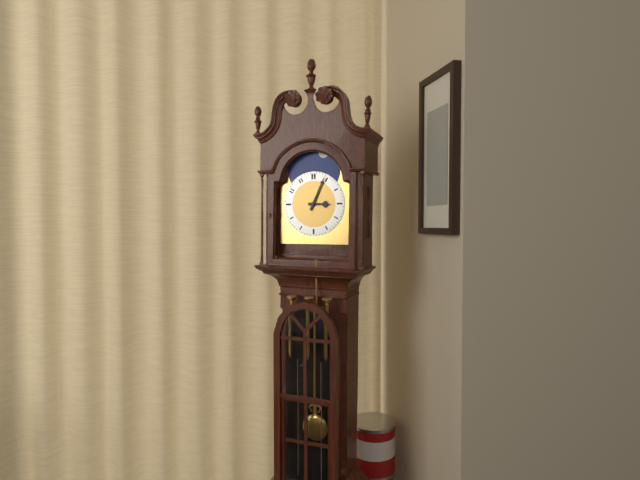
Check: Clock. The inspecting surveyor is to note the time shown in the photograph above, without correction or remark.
3:04
